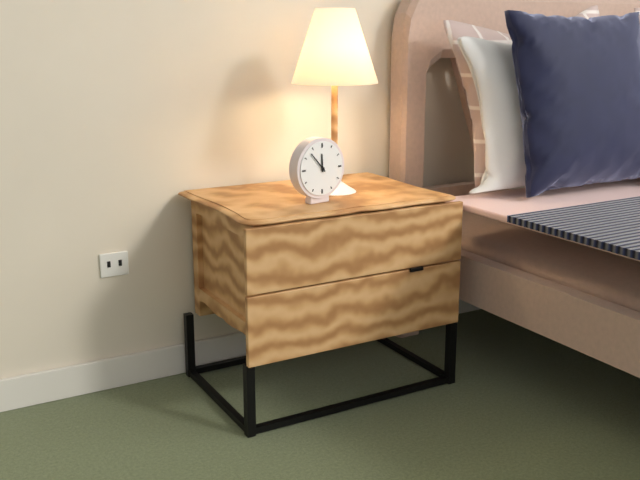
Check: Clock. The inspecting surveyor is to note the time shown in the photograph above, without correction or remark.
11:53
